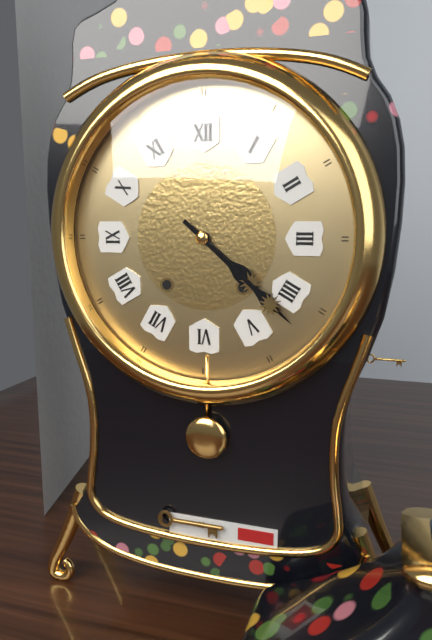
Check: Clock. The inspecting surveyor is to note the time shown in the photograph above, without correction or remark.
4:22
